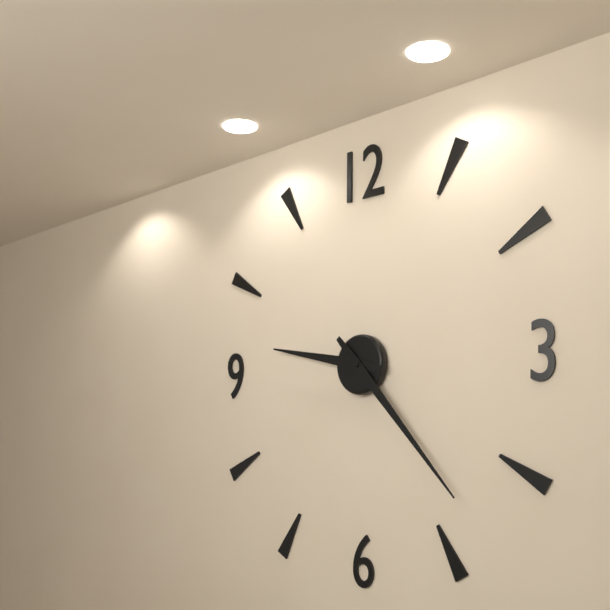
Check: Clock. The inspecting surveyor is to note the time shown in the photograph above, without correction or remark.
9:23
